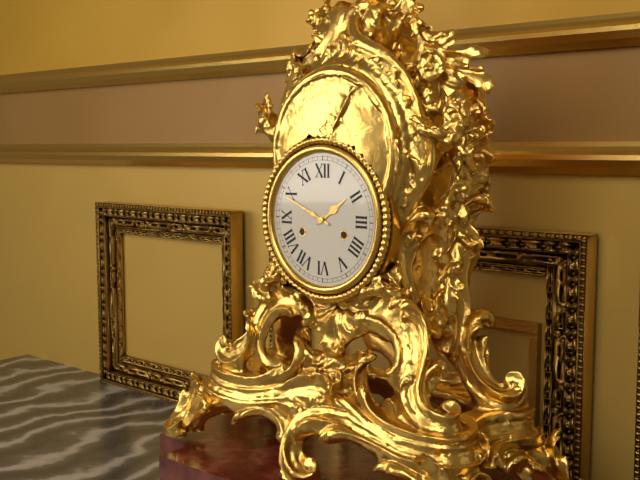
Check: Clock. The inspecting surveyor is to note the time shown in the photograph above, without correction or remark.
1:49
